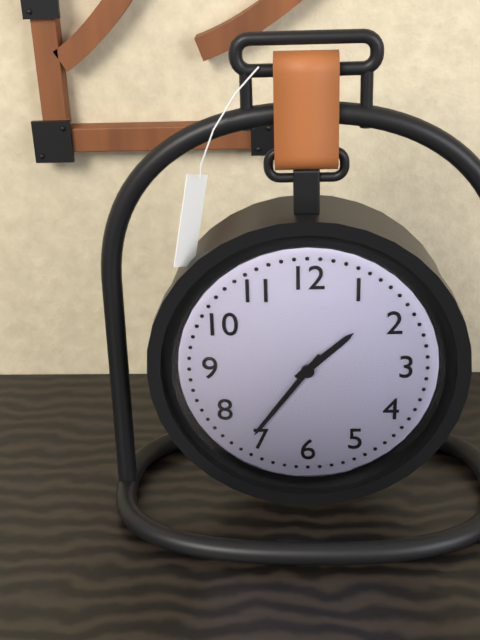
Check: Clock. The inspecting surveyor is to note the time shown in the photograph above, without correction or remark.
1:36
